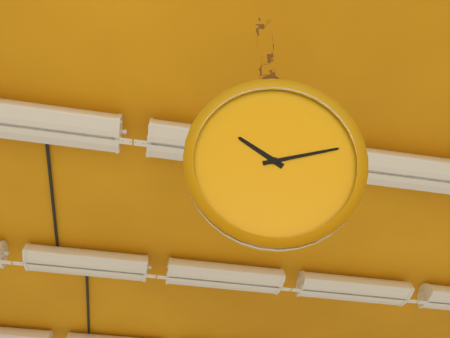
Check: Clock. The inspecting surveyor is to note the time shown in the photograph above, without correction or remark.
10:13
